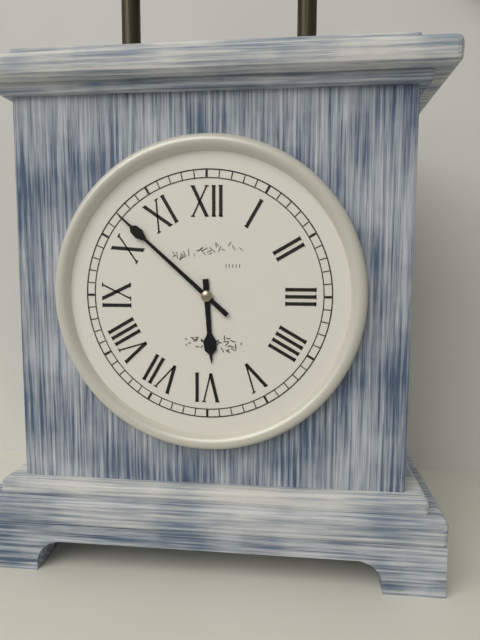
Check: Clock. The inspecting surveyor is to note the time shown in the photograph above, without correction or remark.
5:52
